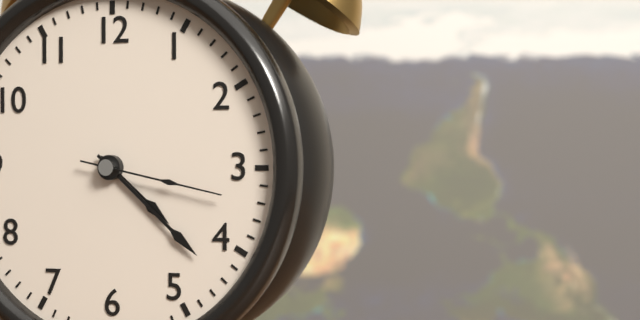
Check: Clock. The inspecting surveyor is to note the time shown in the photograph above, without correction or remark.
4:22:17
